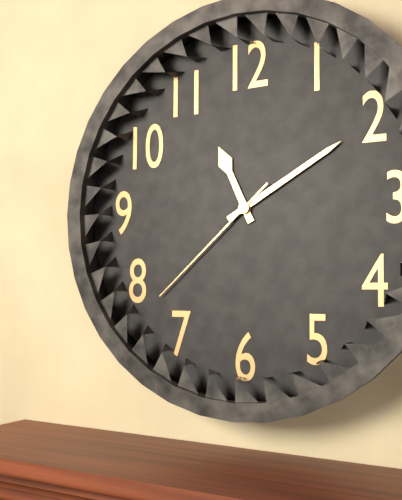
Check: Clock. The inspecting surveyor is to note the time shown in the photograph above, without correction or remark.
11:10:38
